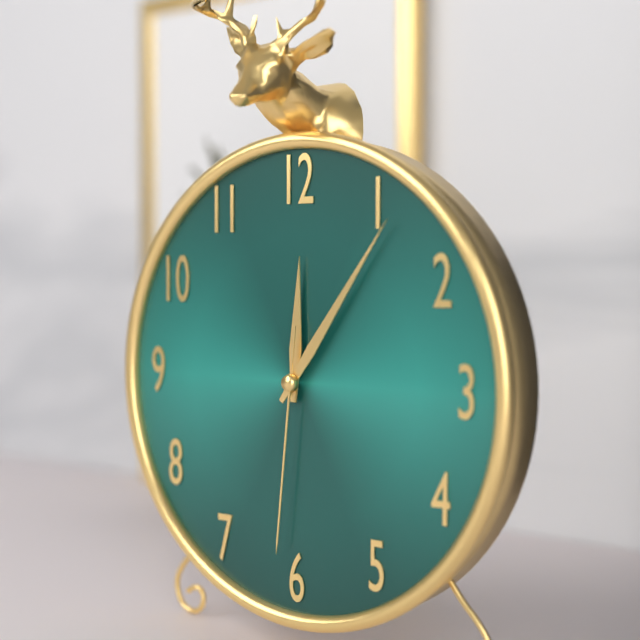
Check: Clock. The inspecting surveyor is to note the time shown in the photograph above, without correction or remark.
12:06:31
